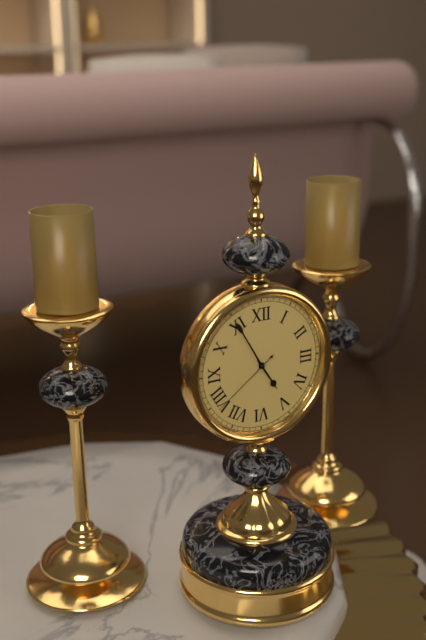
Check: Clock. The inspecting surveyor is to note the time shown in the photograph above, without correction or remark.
4:55:39
